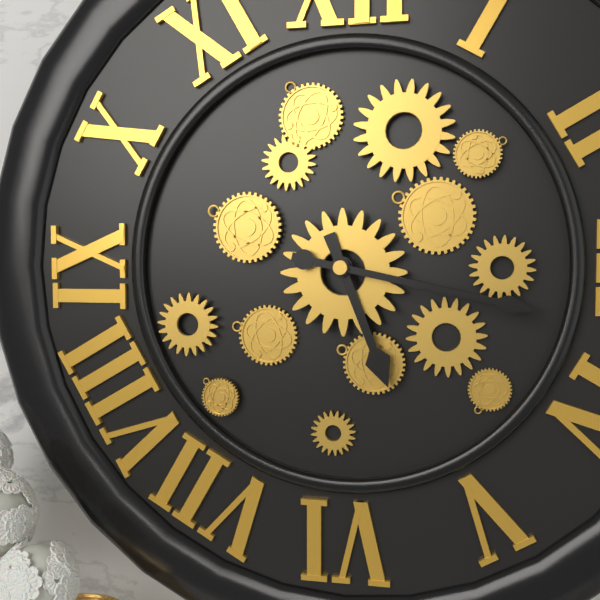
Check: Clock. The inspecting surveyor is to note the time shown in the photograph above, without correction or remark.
5:17
